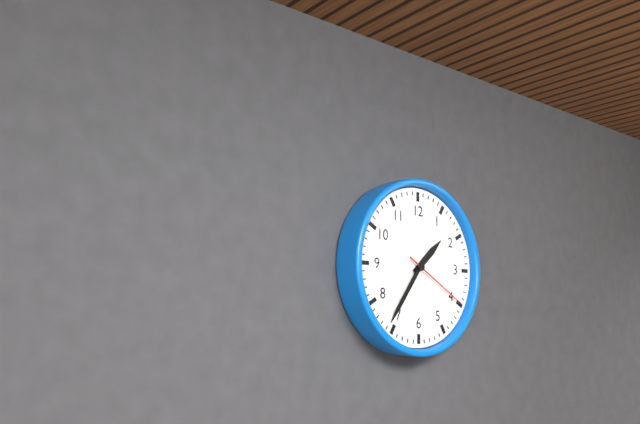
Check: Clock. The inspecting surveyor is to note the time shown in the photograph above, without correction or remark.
1:36:20
